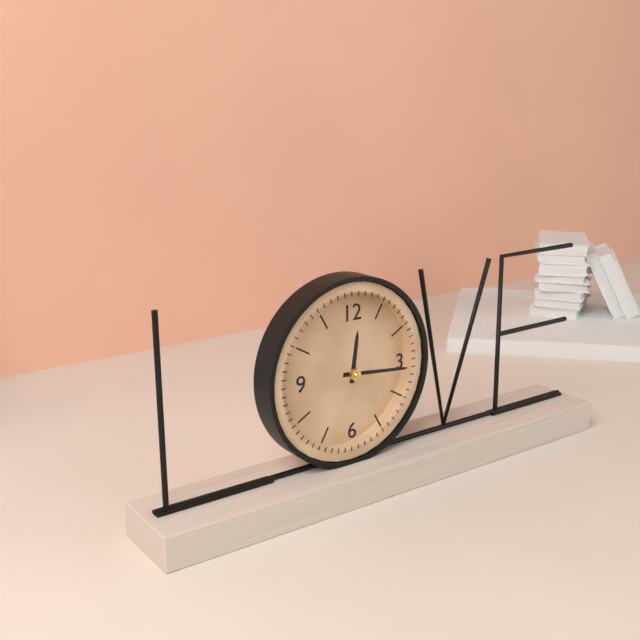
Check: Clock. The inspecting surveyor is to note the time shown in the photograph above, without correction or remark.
12:16
